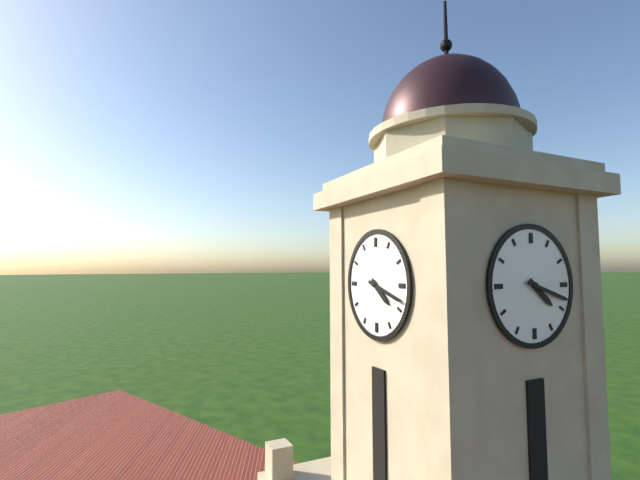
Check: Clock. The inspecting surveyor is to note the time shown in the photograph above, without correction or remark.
4:18
